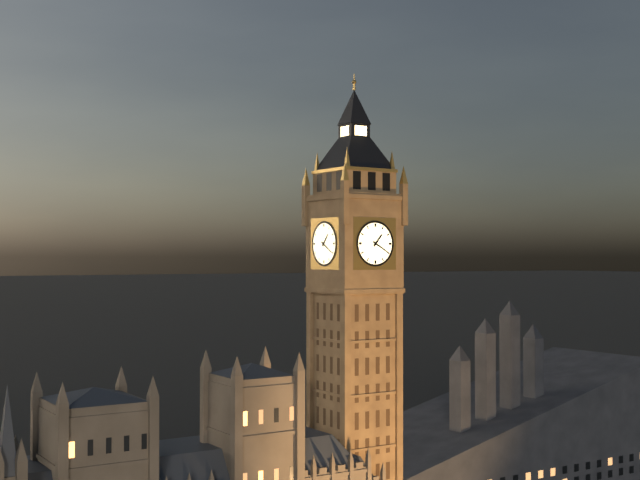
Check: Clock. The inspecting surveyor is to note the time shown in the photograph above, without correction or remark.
1:20
